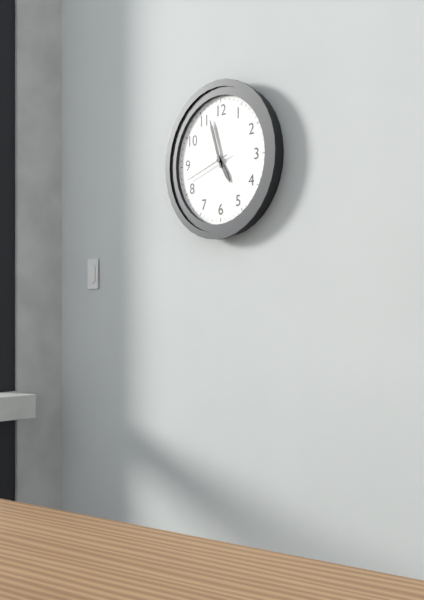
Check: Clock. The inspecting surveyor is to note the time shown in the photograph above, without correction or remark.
4:57
